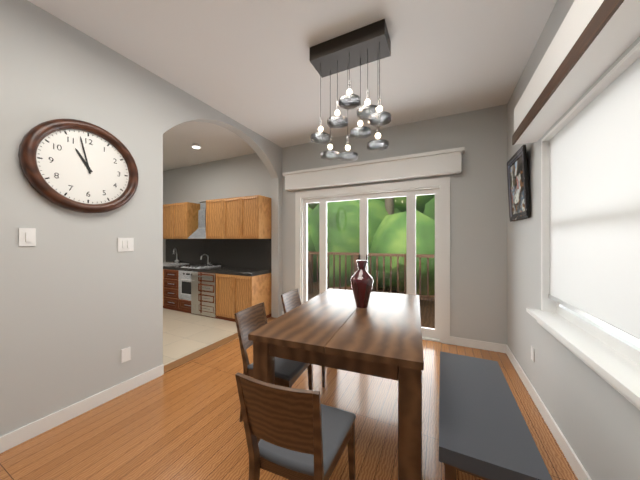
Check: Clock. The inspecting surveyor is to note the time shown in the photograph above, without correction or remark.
10:58
